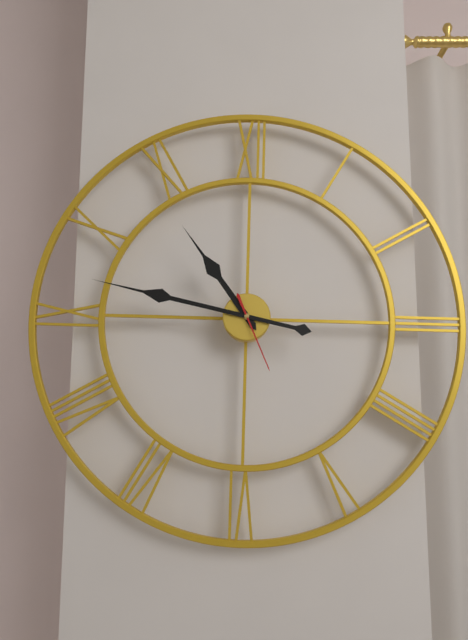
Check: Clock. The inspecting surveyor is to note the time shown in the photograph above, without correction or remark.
10:47:26
